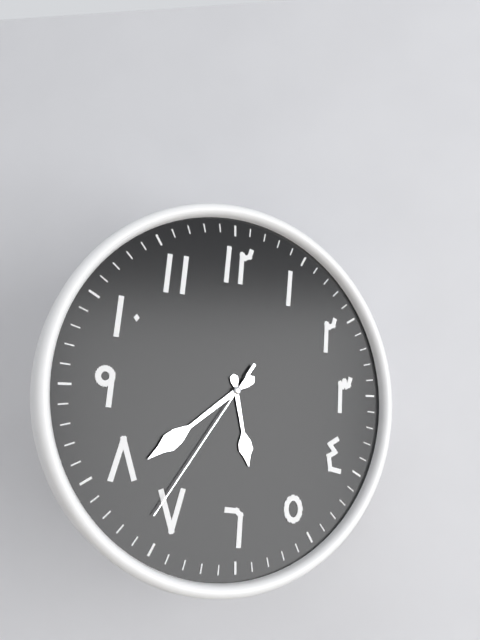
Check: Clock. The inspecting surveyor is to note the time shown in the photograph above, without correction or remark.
5:39:36
